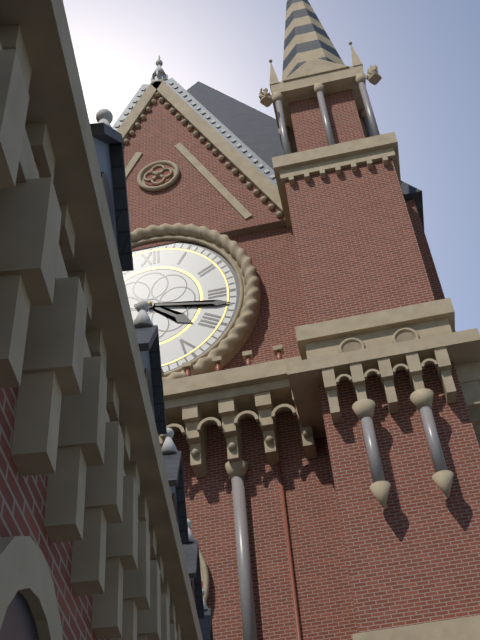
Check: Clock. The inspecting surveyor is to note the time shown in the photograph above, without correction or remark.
4:17
